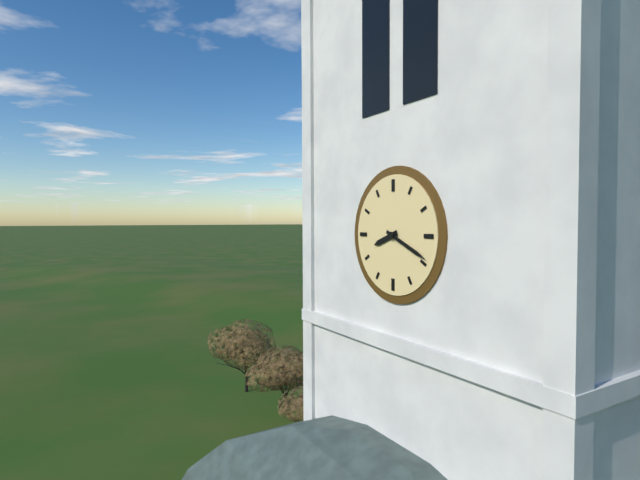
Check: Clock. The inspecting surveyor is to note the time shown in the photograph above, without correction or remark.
8:19
